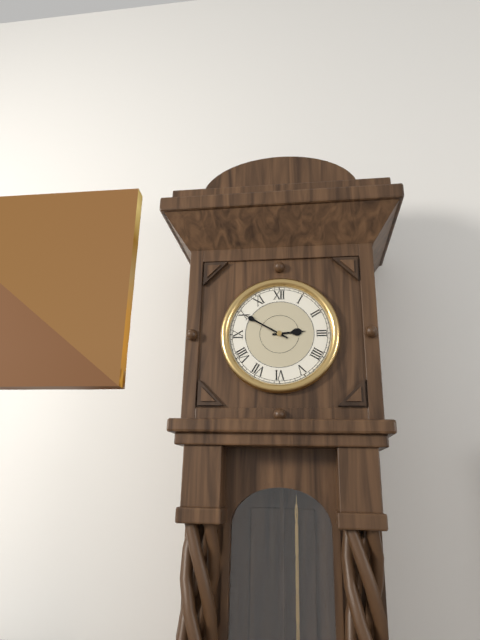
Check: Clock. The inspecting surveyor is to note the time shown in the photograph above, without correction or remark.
2:50
